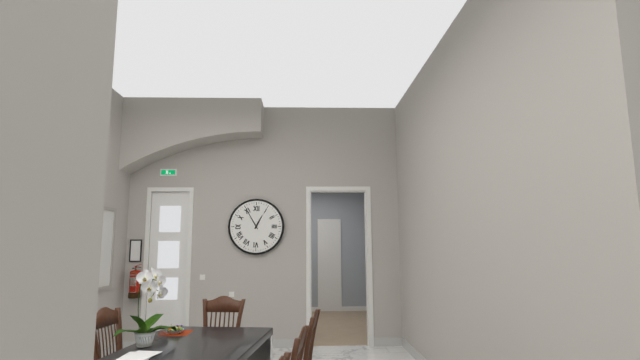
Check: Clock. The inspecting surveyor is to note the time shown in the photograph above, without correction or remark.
12:55
